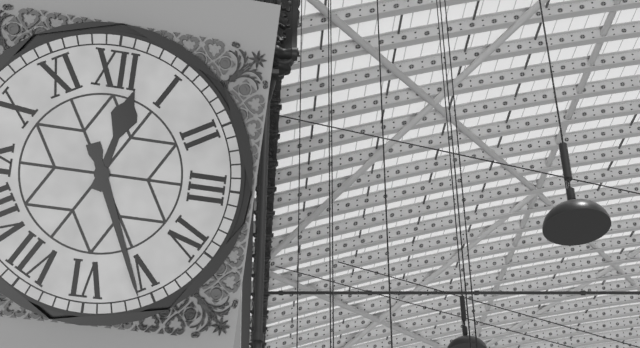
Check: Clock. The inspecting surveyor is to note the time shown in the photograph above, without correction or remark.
12:26
